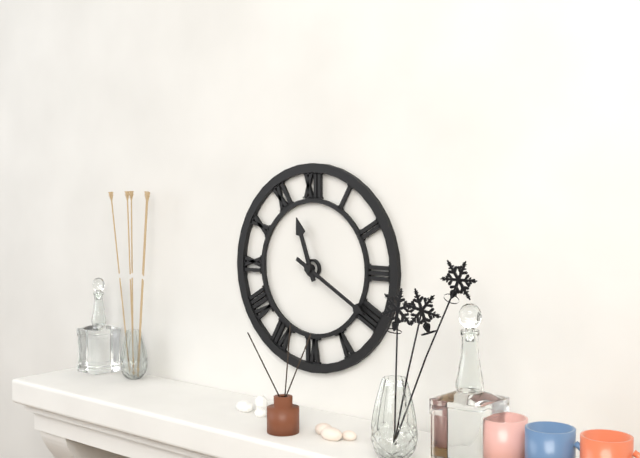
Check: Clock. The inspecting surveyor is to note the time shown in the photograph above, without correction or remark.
11:20
